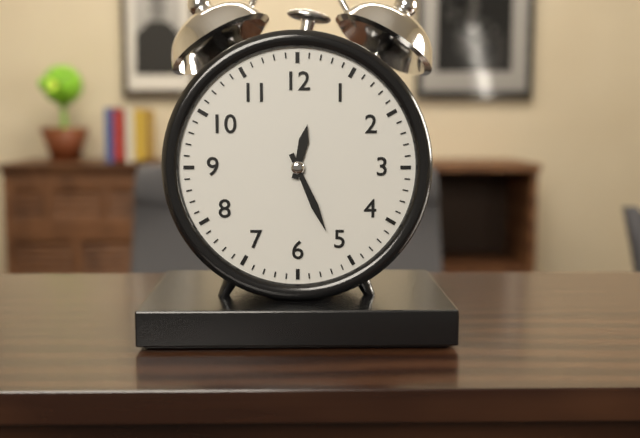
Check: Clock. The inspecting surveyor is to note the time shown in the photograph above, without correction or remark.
12:26
